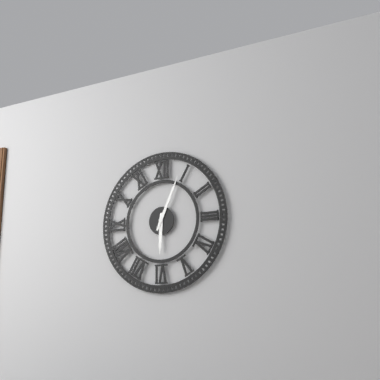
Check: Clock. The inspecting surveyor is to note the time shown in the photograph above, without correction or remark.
6:04
